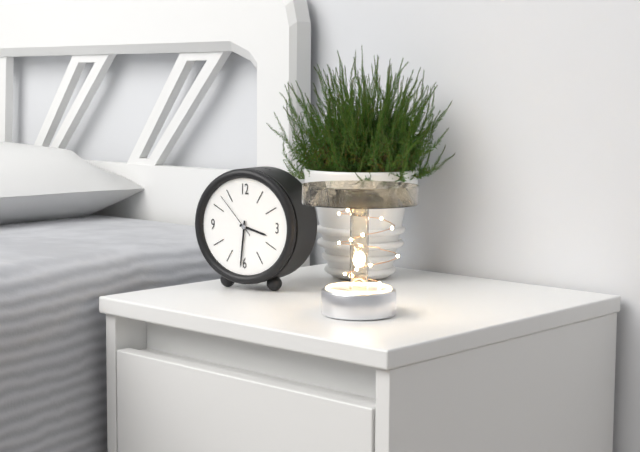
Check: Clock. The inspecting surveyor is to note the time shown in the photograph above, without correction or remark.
3:31
